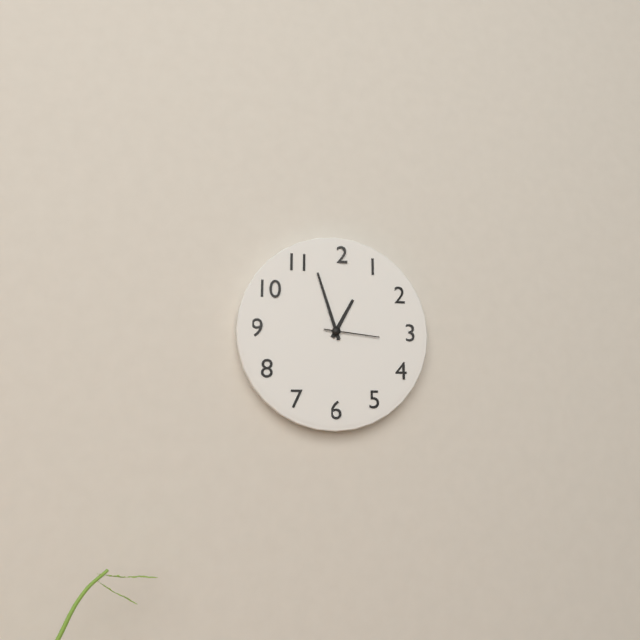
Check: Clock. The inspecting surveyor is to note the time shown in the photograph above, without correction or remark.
12:57:16
